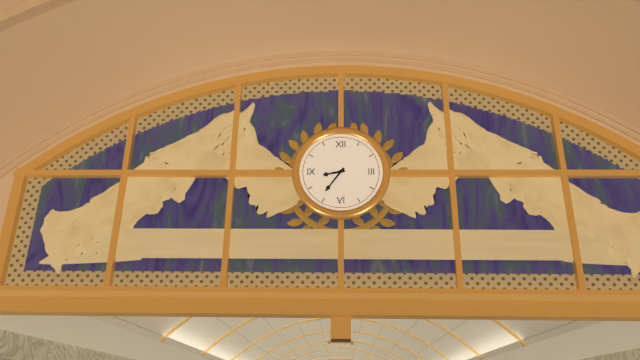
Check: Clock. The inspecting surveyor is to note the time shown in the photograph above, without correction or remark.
8:36
